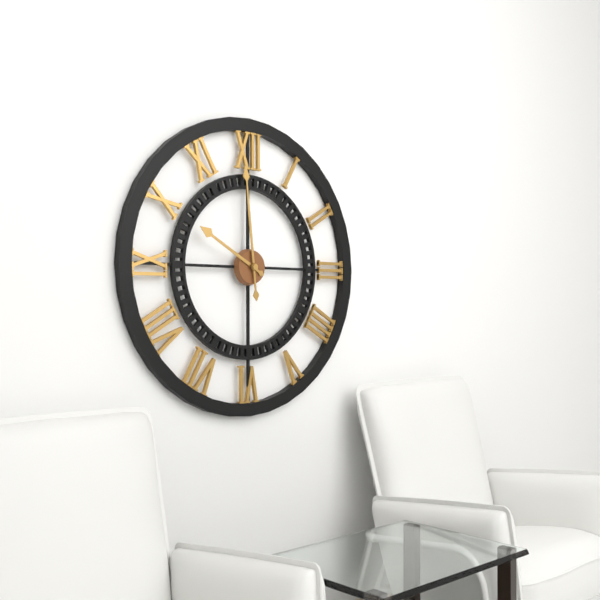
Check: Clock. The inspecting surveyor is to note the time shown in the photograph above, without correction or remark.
9:59
